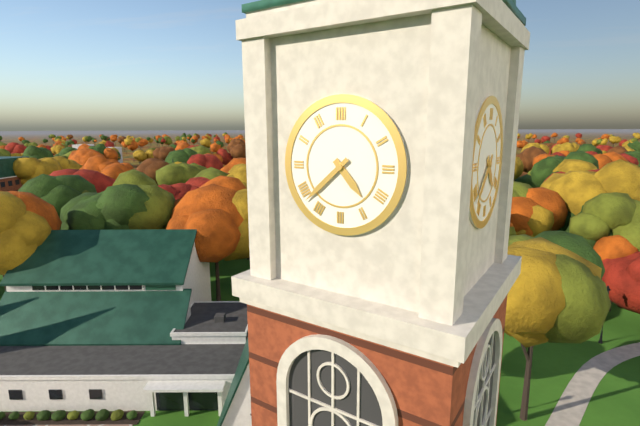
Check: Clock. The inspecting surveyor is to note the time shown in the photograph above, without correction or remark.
4:38
